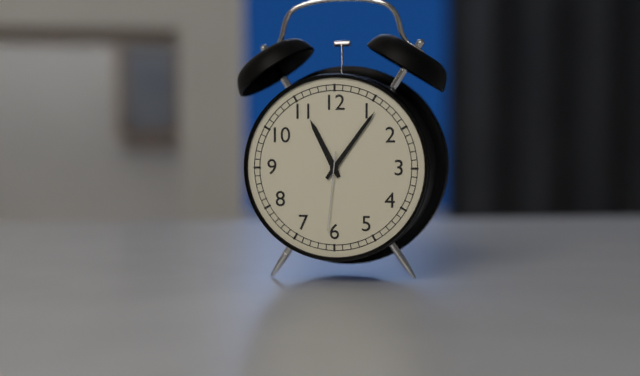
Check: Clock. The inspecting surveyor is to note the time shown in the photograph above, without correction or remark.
11:06:31
